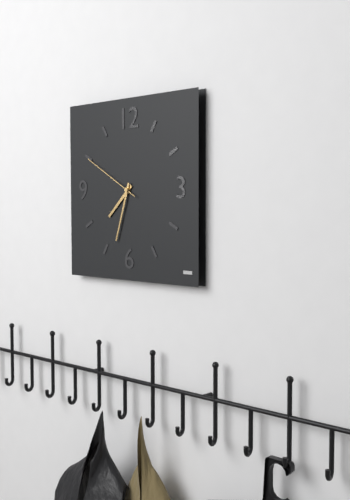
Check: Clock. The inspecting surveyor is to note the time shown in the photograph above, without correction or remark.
7:33:50
